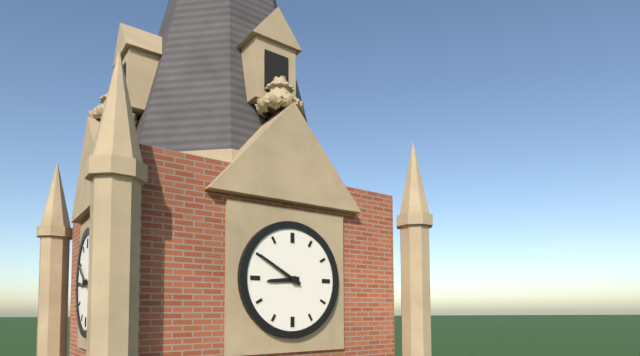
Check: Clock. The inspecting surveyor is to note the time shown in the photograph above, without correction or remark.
8:50
